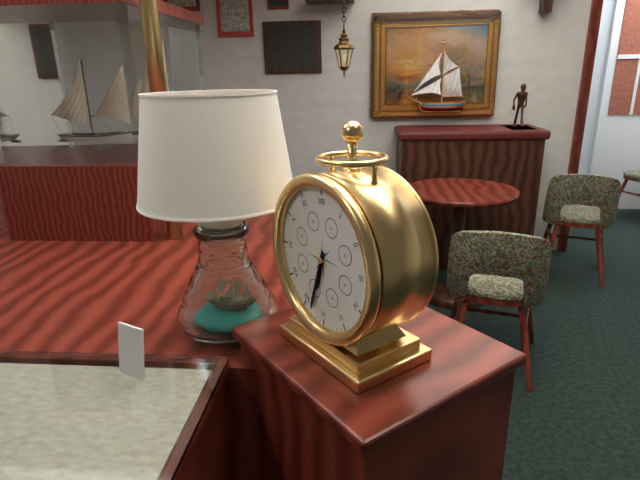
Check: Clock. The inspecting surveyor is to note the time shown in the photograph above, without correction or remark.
6:33
